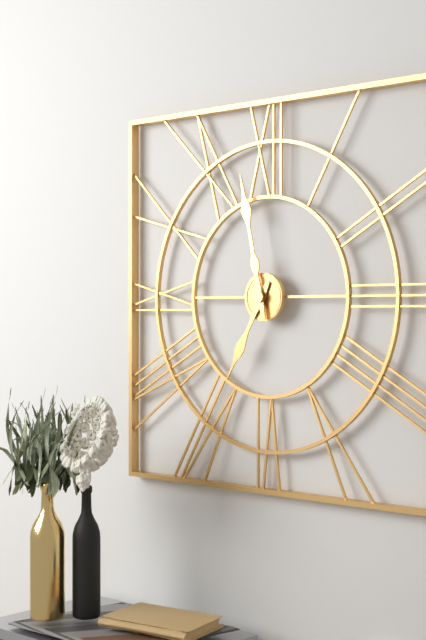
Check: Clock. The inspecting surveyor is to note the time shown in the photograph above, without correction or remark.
6:58
